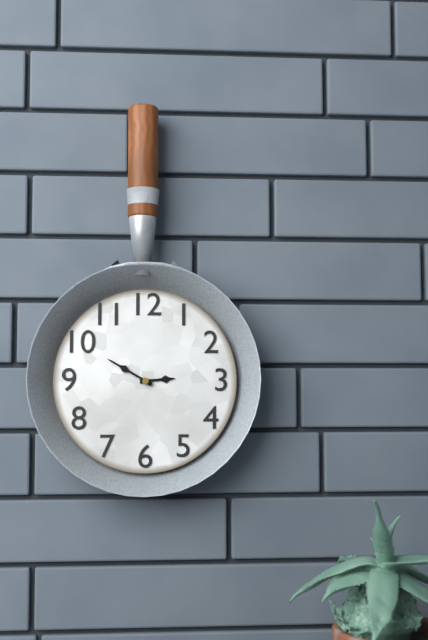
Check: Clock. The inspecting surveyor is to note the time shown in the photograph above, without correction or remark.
2:50
